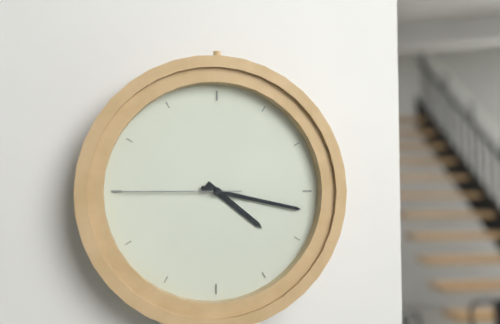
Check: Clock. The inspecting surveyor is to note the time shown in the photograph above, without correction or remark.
4:17:45
